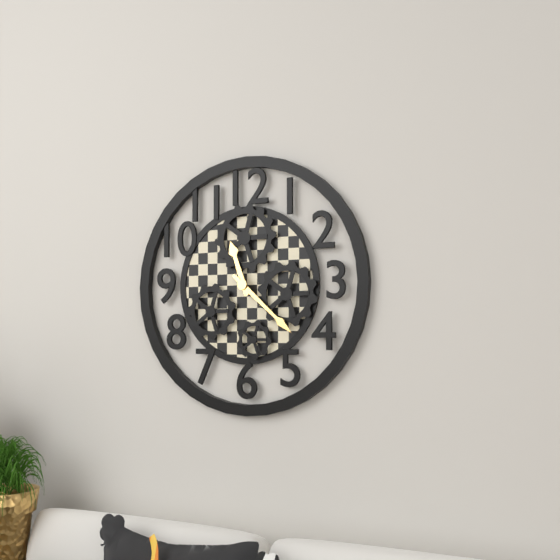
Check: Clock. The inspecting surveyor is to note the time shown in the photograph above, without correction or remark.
11:22
